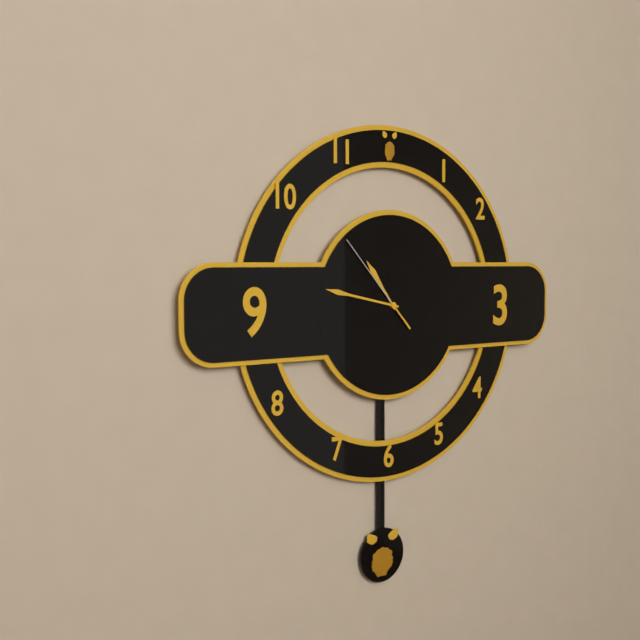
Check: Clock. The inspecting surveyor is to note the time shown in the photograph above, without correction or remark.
10:47:53
